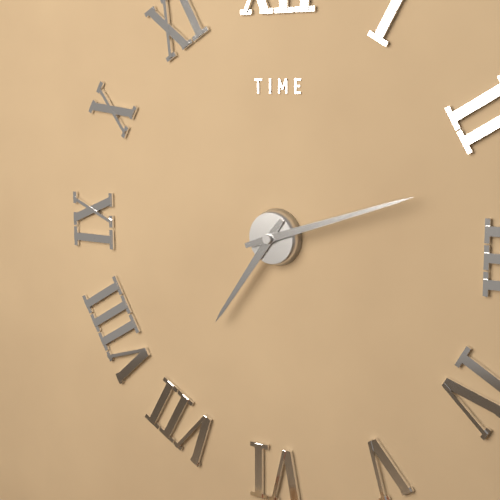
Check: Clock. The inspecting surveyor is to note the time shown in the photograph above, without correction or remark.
7:12
